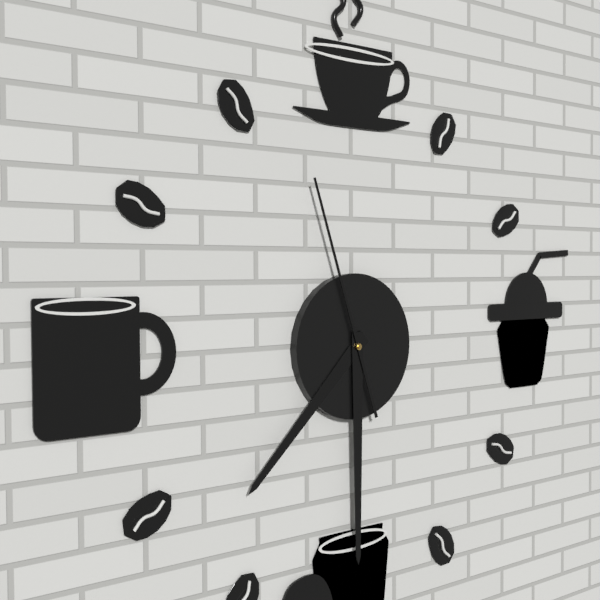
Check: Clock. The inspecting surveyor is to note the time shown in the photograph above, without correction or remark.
7:30:57
